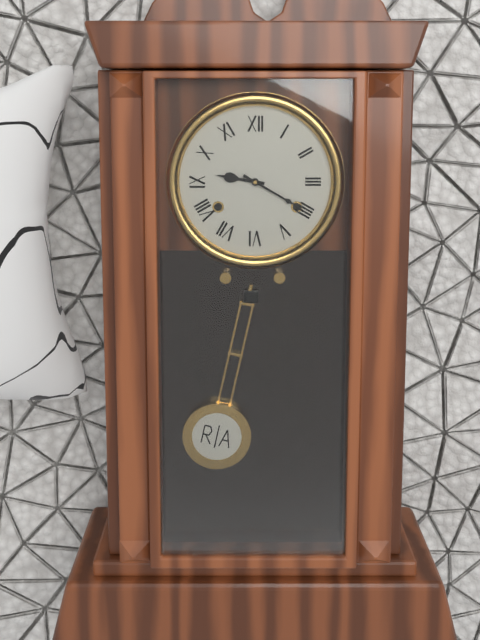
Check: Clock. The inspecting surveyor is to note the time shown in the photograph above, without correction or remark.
9:20
